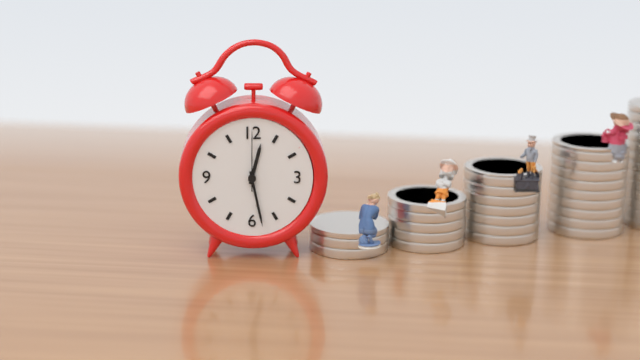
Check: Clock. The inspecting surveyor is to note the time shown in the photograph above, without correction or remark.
12:28:00
